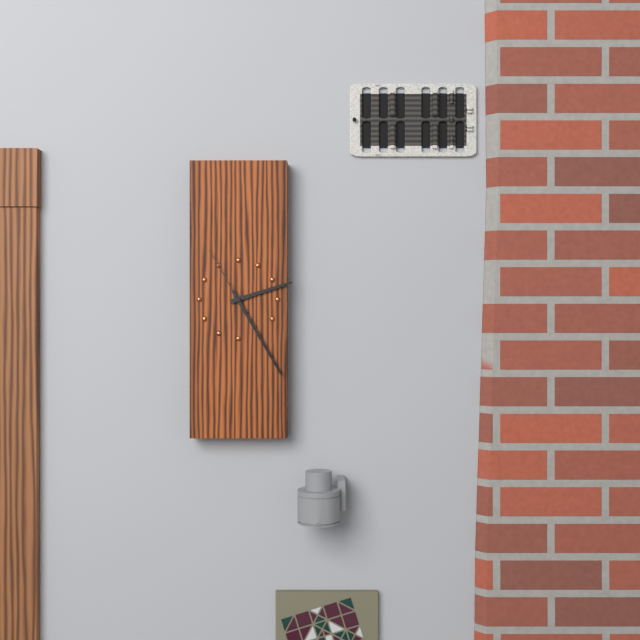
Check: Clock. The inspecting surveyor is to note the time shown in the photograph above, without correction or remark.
2:25:55
